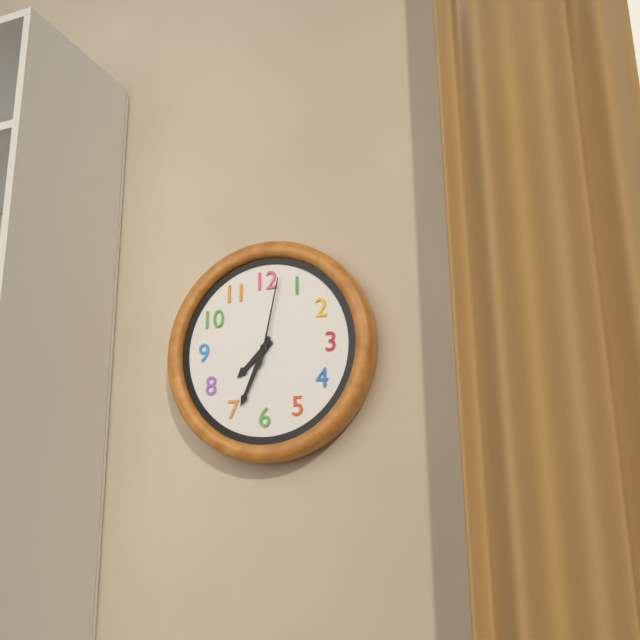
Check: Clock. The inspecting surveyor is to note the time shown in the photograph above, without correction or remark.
7:34:02
